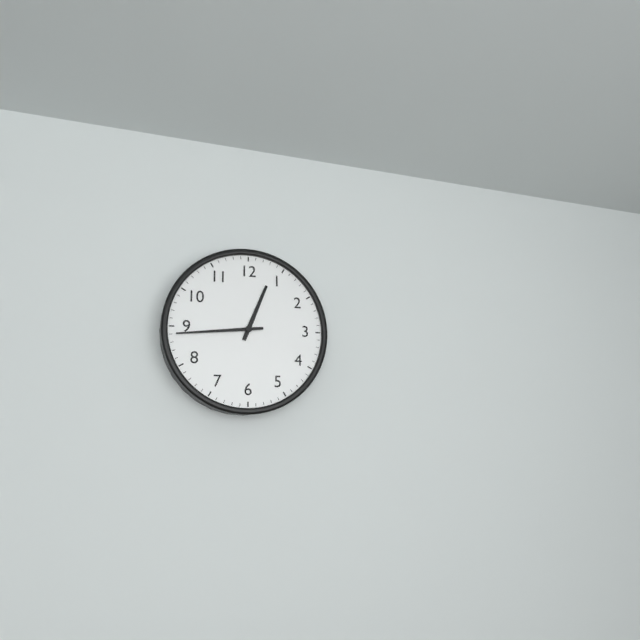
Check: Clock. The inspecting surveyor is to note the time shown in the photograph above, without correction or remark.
12:44
